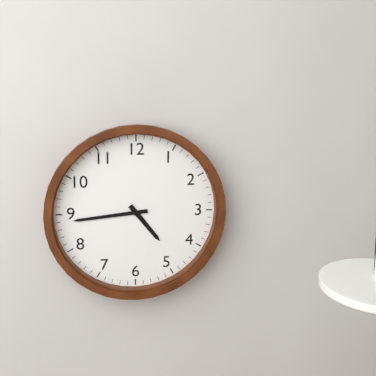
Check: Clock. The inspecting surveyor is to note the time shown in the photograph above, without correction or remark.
4:44
